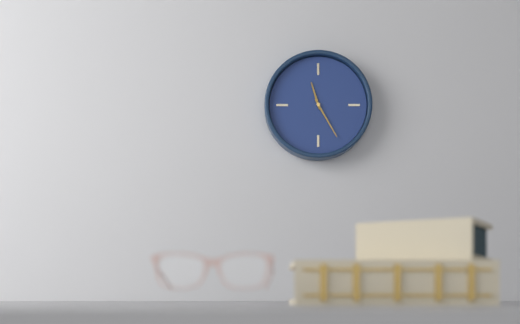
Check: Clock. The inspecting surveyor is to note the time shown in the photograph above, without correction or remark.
11:25
